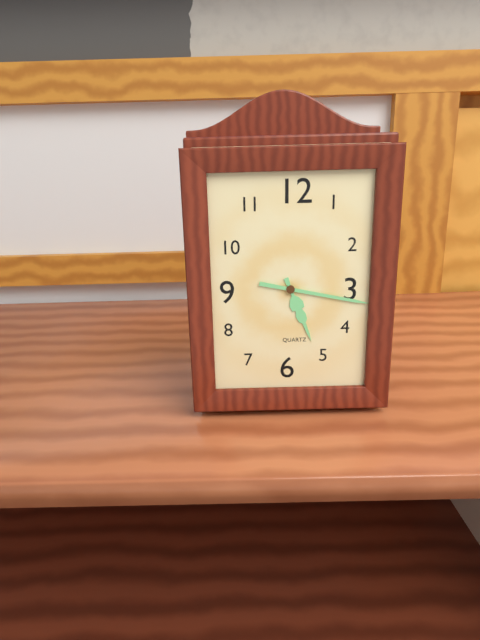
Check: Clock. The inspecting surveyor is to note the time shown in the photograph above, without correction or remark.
5:17
